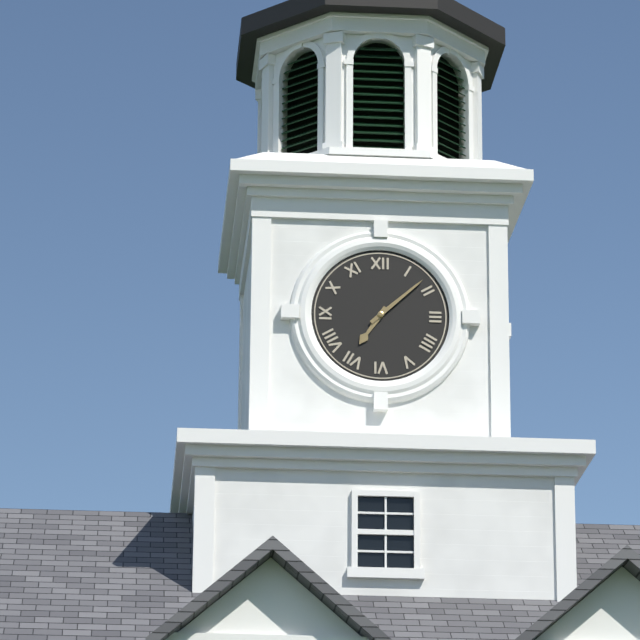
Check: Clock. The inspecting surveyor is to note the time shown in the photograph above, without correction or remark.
7:08
